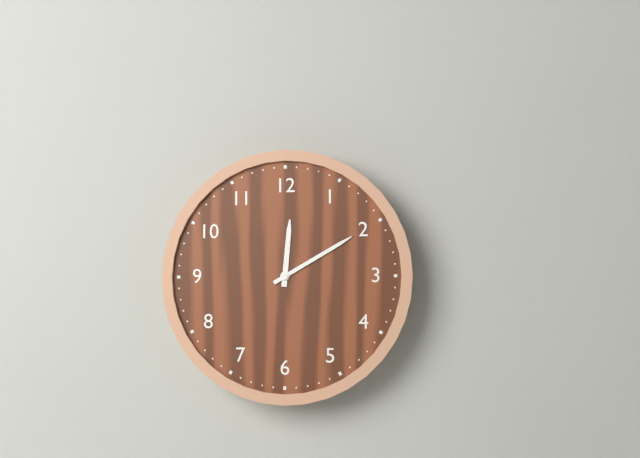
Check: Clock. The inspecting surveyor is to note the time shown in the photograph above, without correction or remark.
12:10
